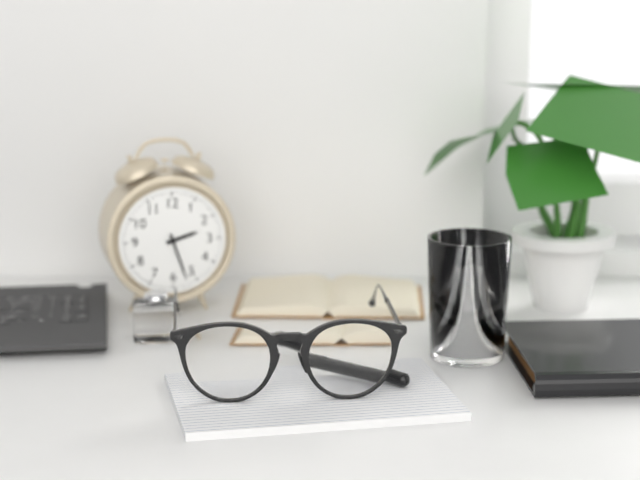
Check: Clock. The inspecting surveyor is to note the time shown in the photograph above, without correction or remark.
2:27
